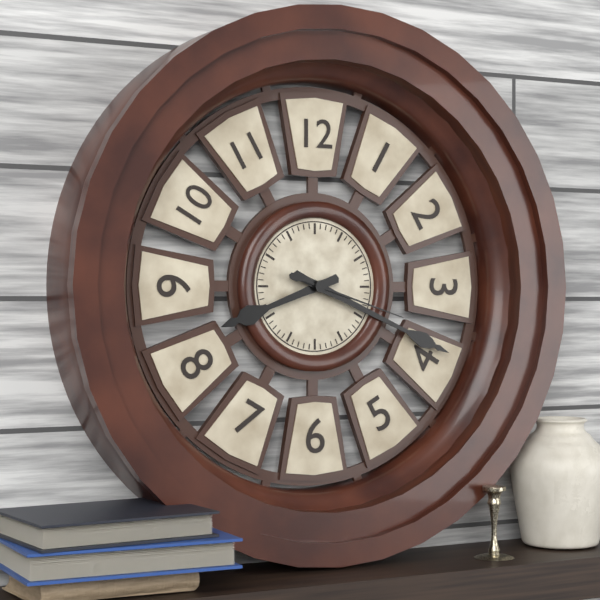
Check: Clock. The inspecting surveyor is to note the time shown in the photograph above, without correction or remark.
8:19:18
